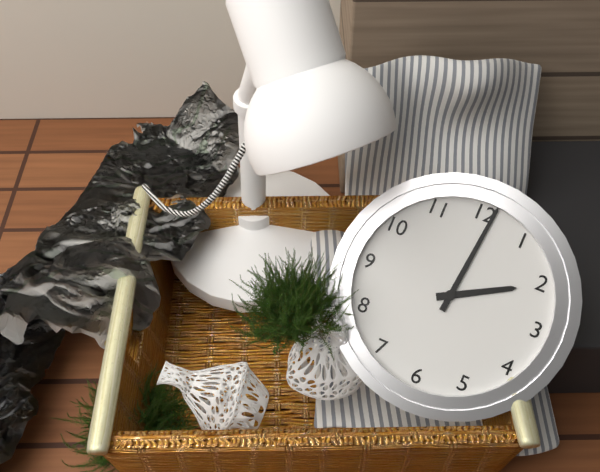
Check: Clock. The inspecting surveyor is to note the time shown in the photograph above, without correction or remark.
2:01
